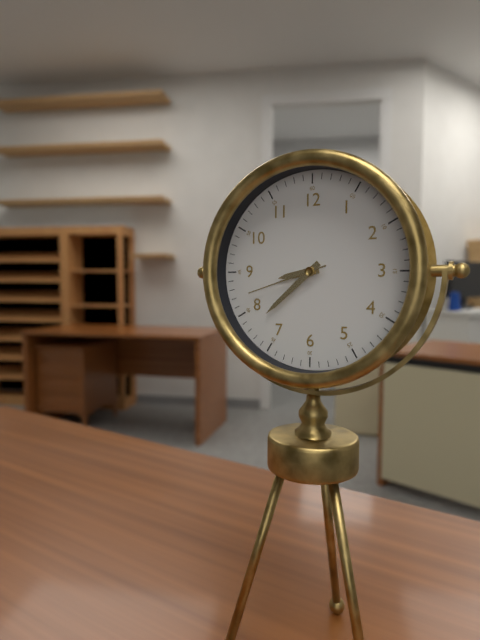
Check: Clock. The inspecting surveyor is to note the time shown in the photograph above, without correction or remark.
8:38:42
